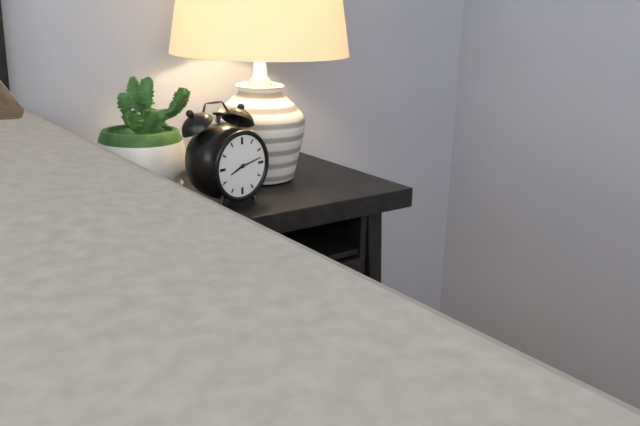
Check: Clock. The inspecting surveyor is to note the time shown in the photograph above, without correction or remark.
8:13
